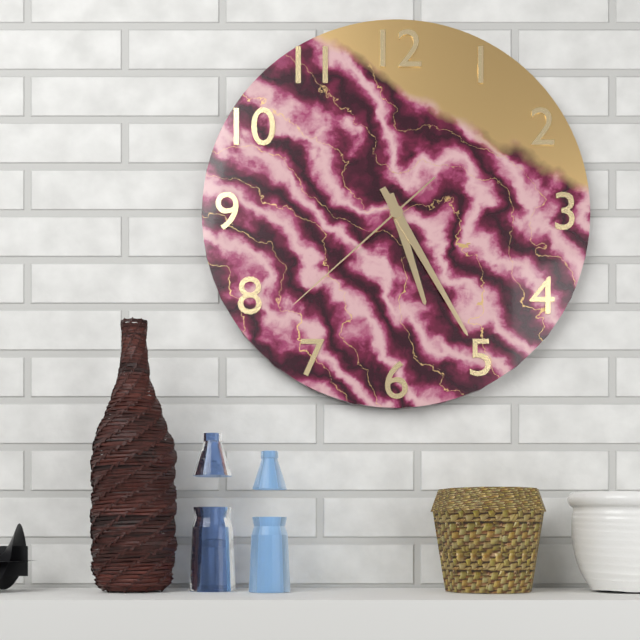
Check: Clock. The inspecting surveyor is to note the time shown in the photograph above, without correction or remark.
5:25:38
